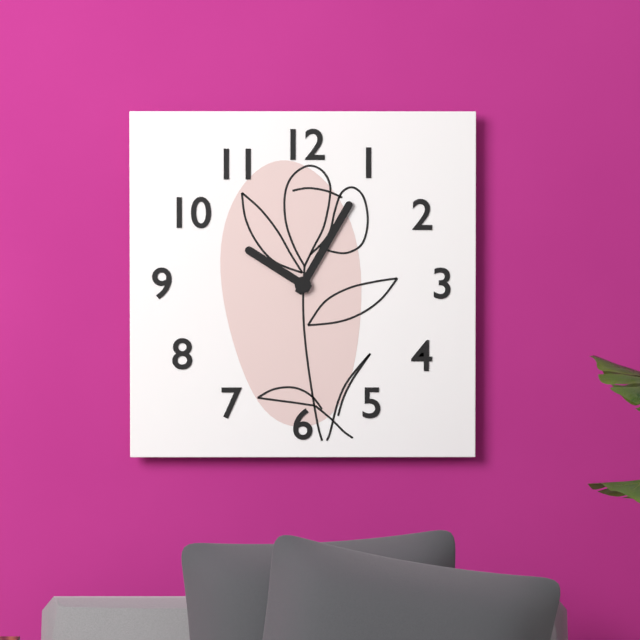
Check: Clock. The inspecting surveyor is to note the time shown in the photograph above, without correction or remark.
10:05
